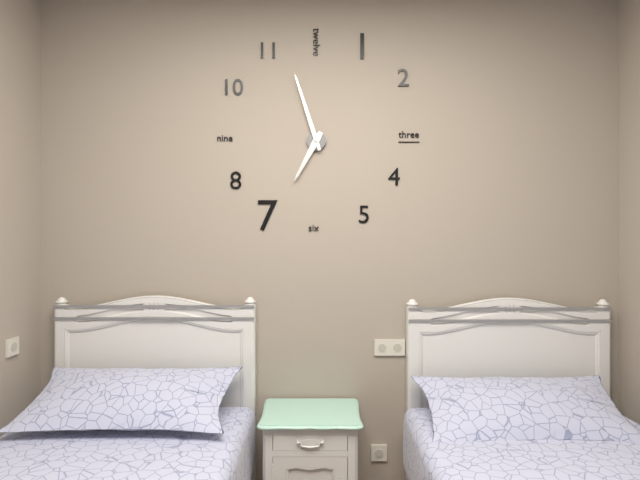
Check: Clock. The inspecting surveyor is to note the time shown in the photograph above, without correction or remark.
6:57
